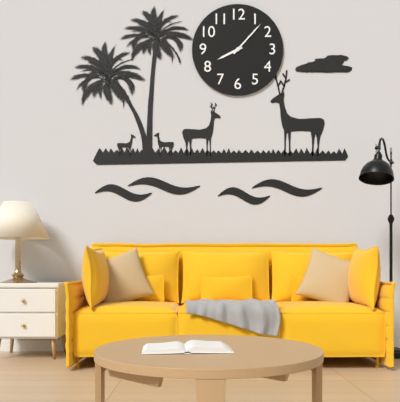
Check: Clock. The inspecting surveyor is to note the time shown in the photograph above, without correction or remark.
8:07
